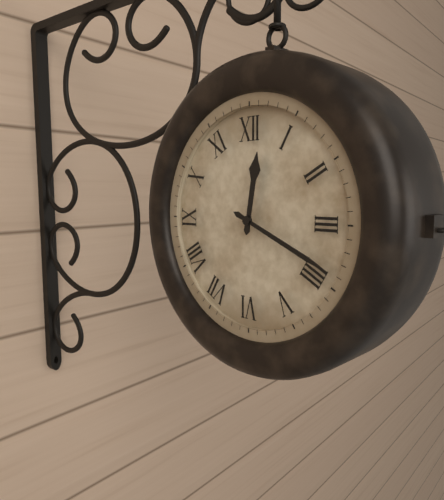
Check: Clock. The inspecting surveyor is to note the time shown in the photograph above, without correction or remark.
12:19
